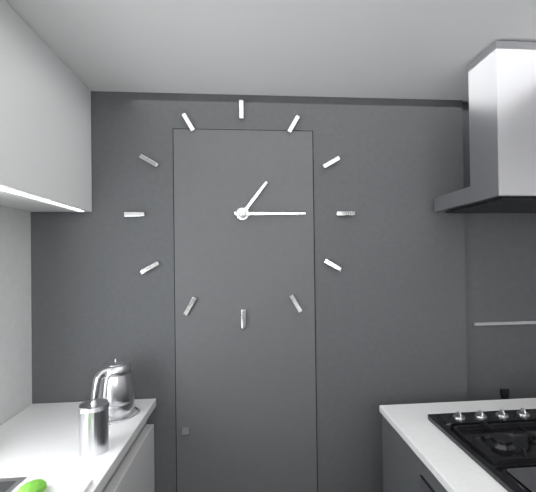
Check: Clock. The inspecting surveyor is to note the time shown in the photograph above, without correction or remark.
1:15
